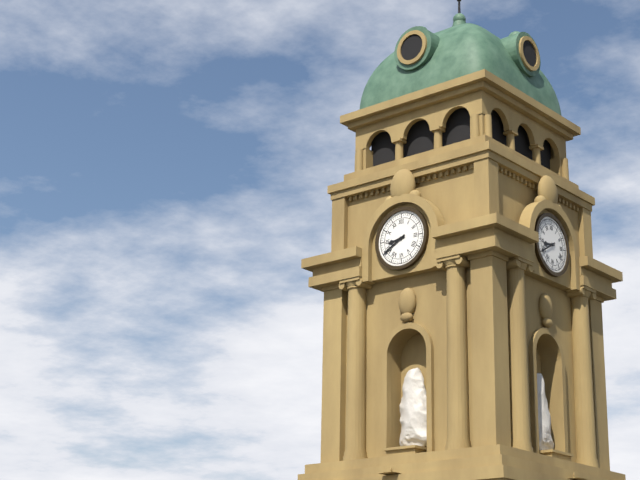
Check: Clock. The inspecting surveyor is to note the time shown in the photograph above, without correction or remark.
8:40
